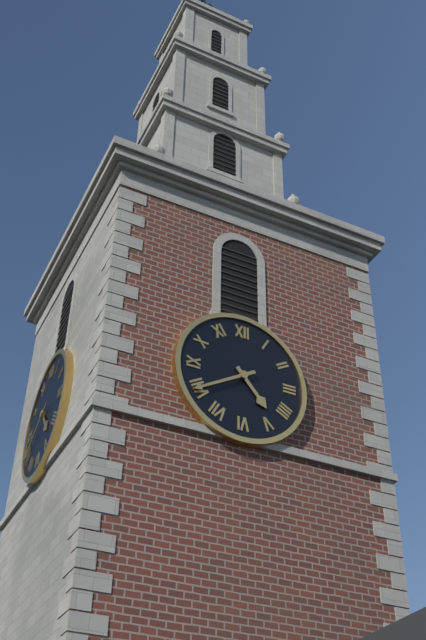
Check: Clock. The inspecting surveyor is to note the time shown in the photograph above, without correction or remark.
4:40
